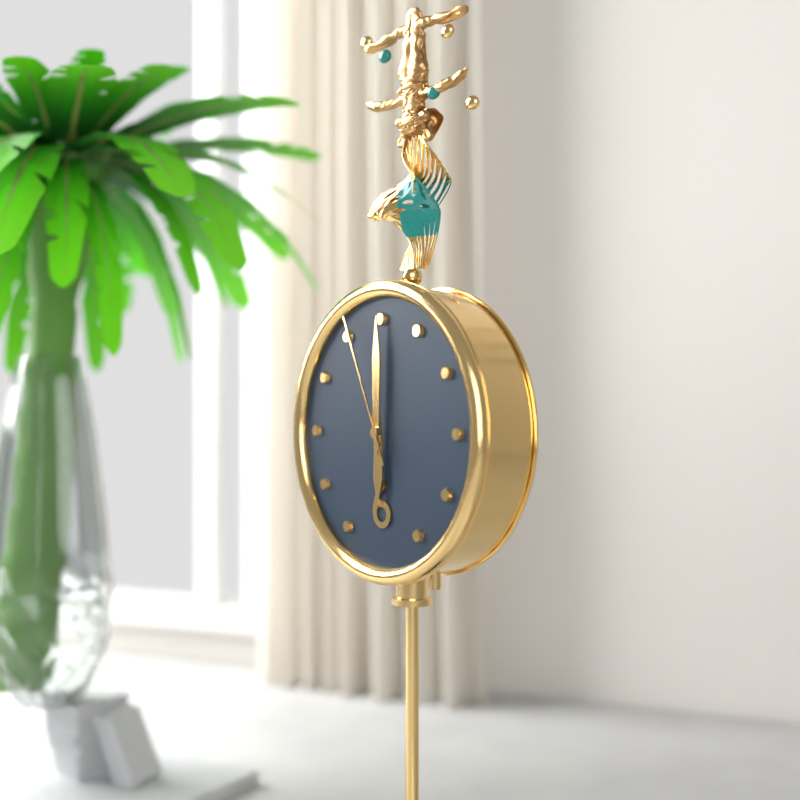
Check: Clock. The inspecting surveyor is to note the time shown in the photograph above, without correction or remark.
6:00:56
